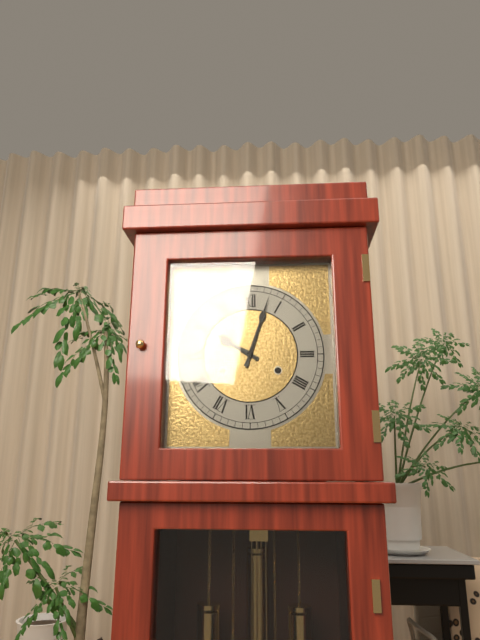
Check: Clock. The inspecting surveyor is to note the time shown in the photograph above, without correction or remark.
10:03
